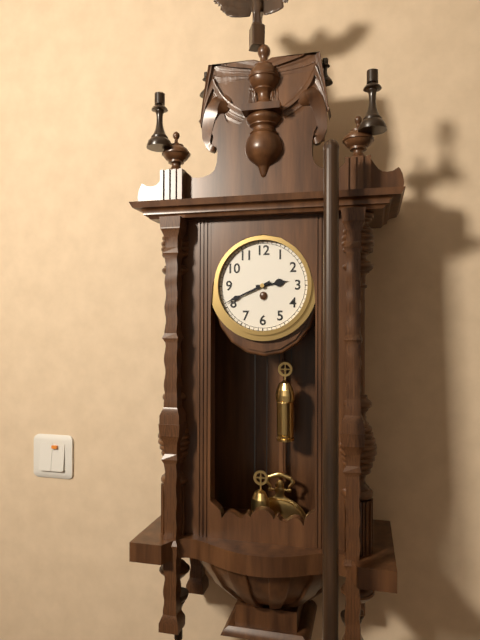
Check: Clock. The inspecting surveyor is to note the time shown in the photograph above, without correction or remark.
2:41
